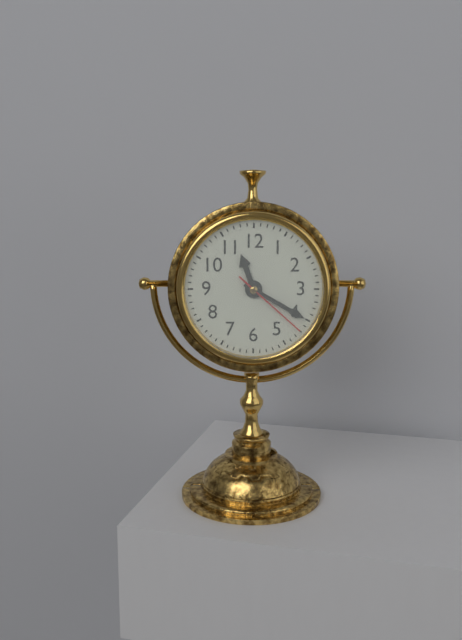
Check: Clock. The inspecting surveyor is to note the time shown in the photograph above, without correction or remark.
11:20:22
